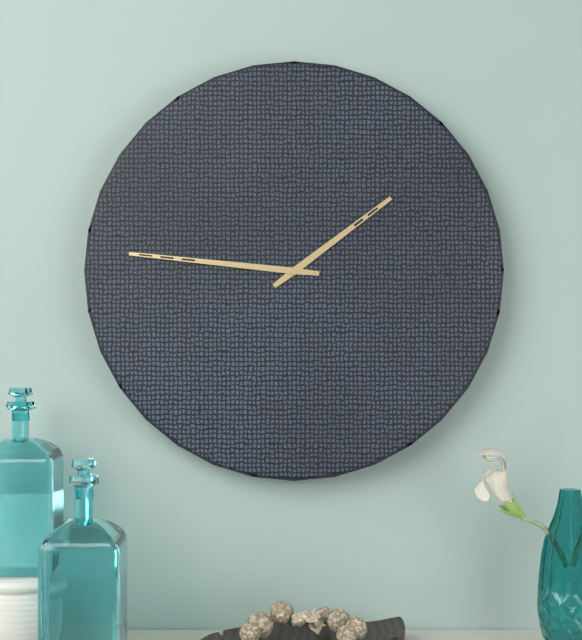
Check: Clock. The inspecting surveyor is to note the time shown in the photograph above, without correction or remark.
1:46
